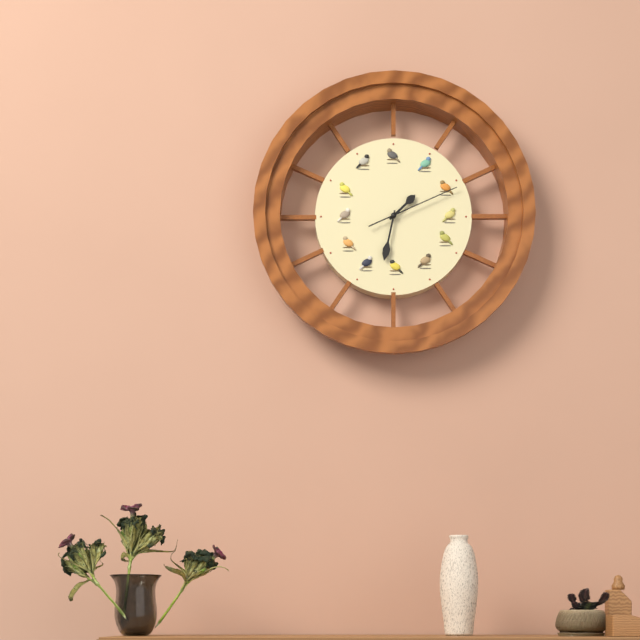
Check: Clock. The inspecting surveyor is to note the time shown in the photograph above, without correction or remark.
1:32:11
